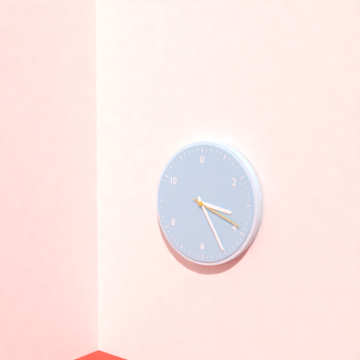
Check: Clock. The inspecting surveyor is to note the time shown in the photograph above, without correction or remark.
3:25:19
